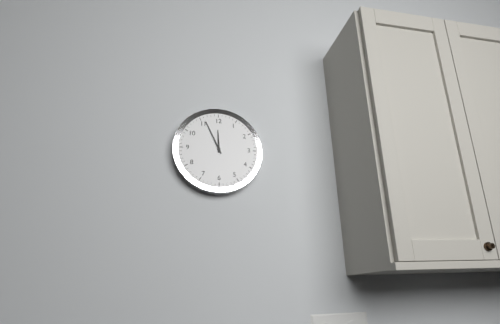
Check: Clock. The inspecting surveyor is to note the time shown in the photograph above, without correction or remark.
11:56
